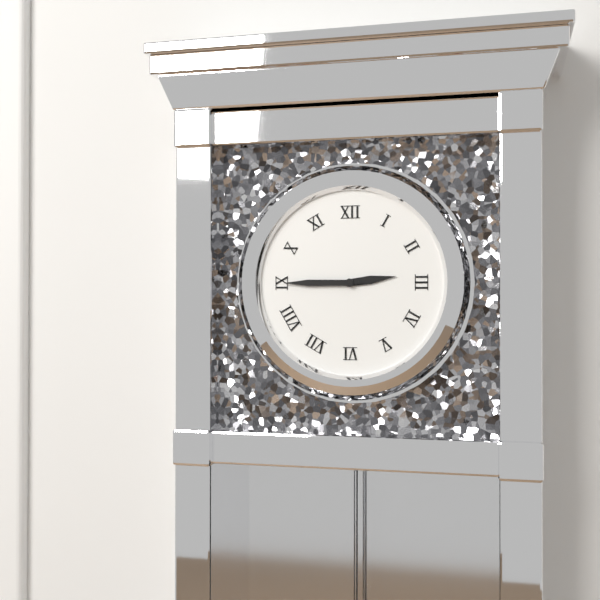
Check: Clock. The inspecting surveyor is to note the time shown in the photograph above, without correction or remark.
2:45
